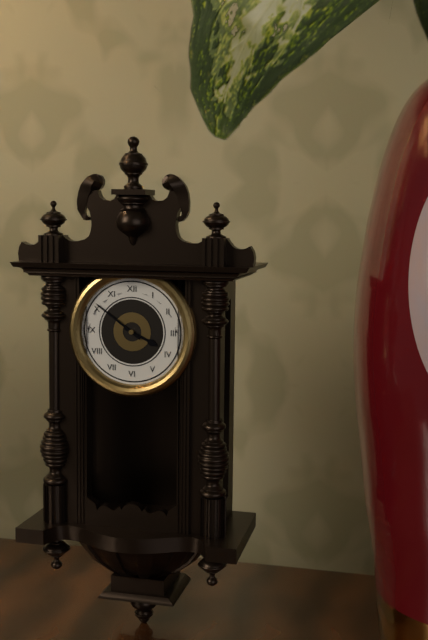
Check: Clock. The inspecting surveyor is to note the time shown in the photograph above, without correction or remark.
3:51
